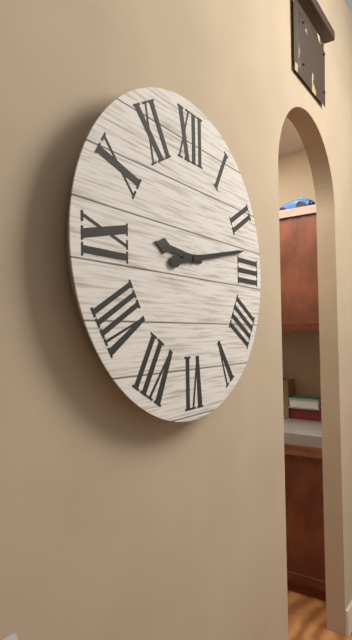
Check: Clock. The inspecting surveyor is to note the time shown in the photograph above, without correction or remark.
9:13
